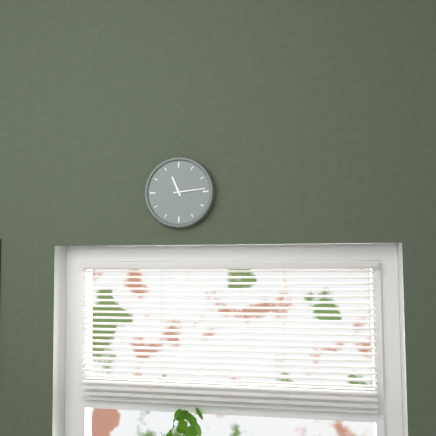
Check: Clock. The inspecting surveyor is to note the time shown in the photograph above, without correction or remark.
11:14
